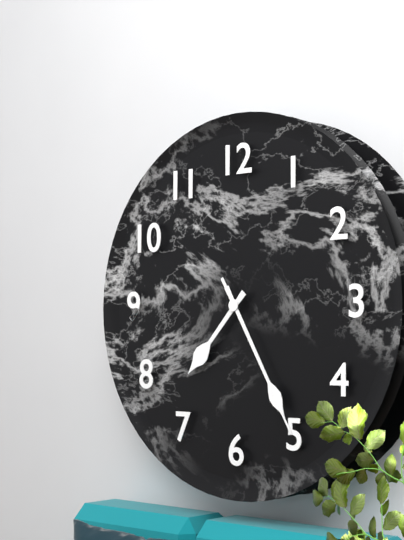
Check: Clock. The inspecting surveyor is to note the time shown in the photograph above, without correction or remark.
7:25:25
